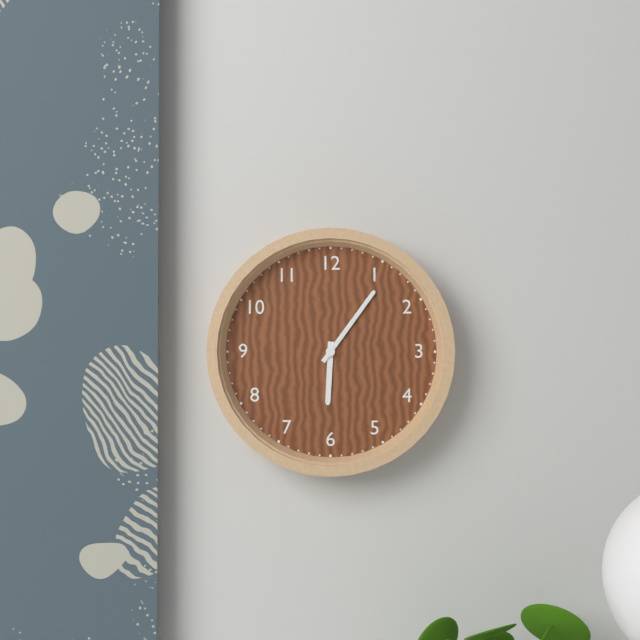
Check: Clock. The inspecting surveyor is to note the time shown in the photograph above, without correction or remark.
6:06
